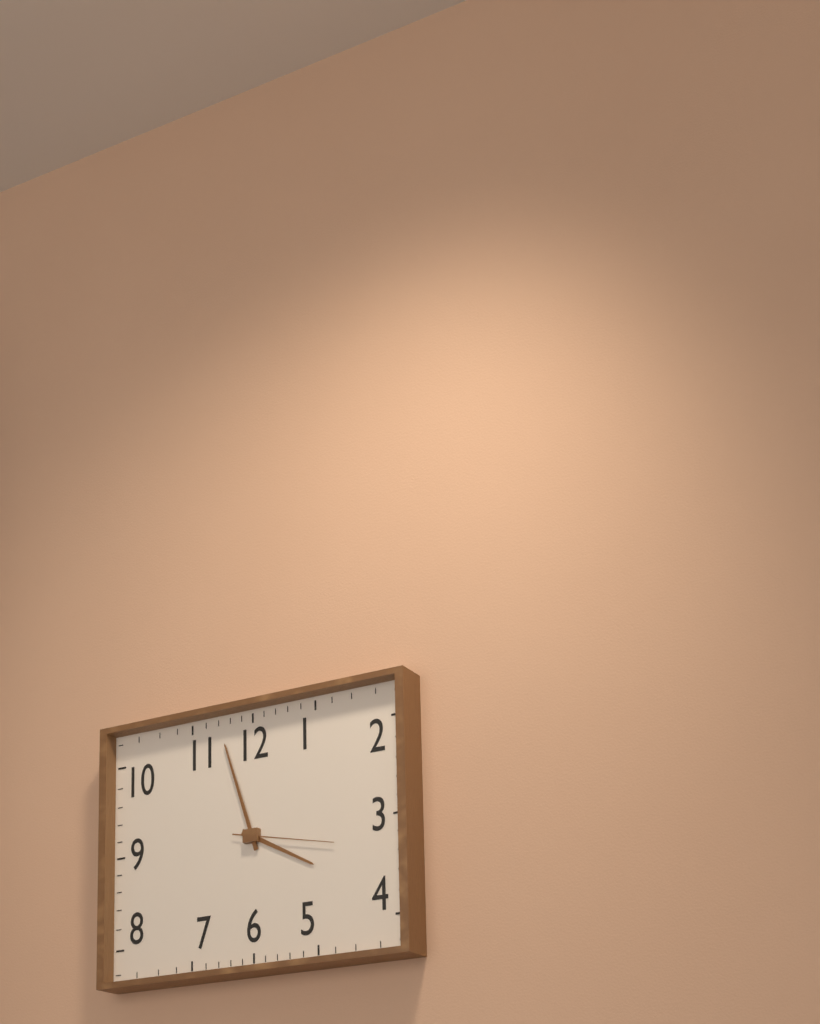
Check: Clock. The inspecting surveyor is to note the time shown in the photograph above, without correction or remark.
3:57:17
